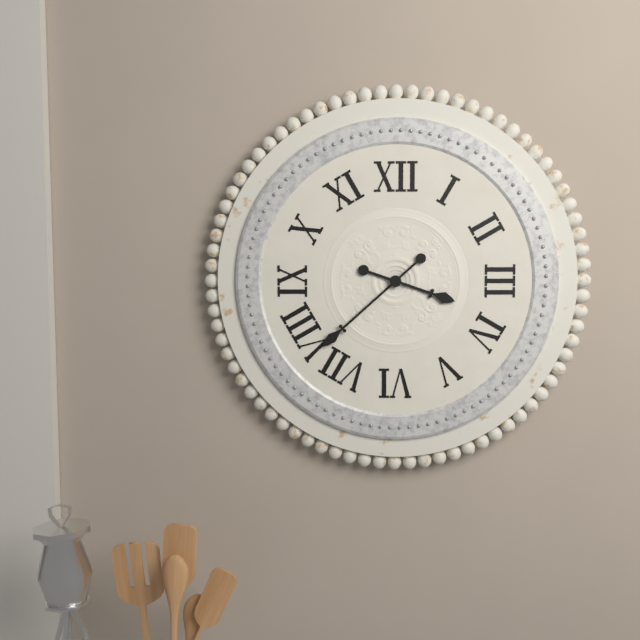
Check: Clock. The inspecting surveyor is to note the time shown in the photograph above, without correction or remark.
3:38
